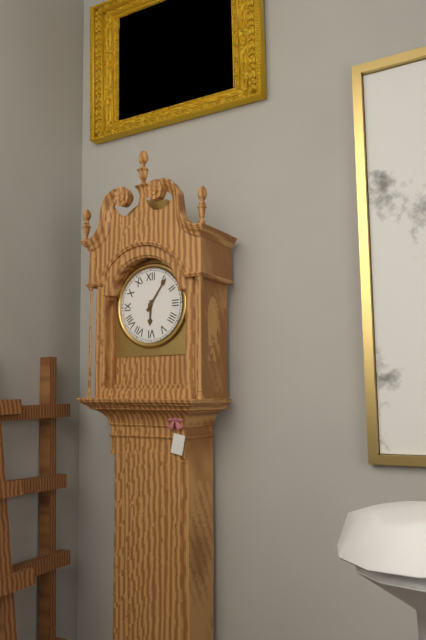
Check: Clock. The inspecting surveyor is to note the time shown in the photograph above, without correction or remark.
6:06
